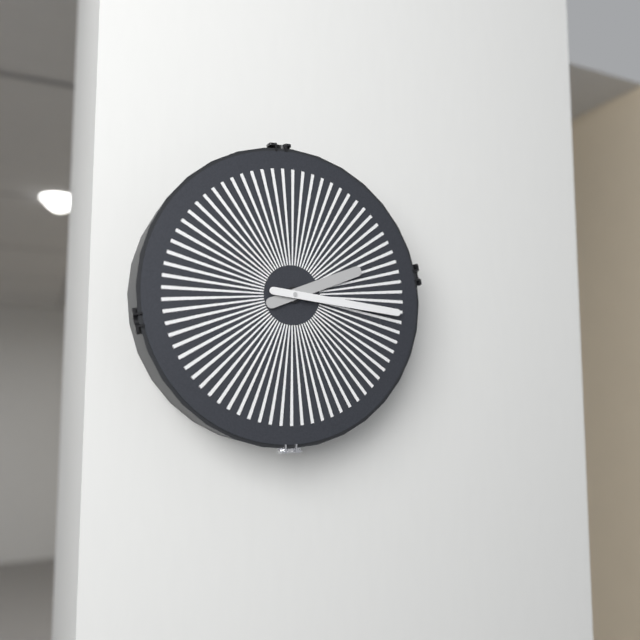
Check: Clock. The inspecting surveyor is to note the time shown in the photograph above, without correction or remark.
2:16
